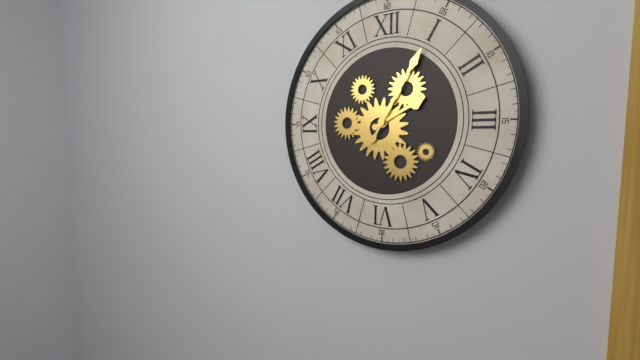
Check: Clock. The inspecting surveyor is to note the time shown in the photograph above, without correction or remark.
2:05
